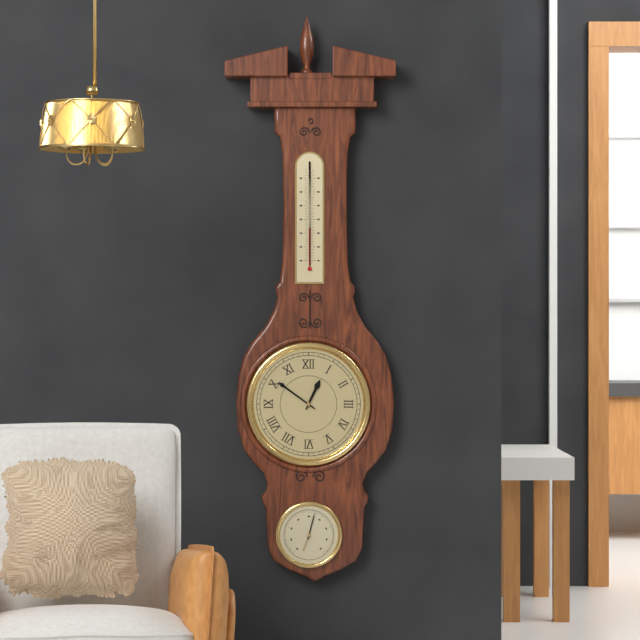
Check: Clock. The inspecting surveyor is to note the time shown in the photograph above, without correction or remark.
12:51
